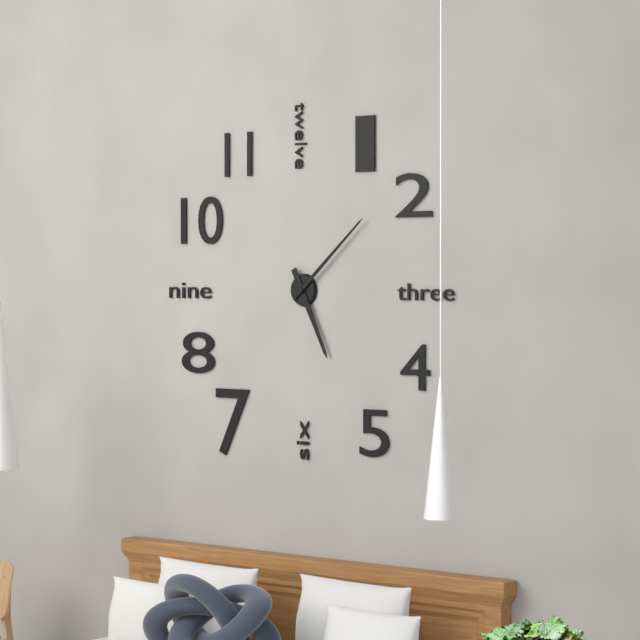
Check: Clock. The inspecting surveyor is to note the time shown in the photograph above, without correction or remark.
5:08
